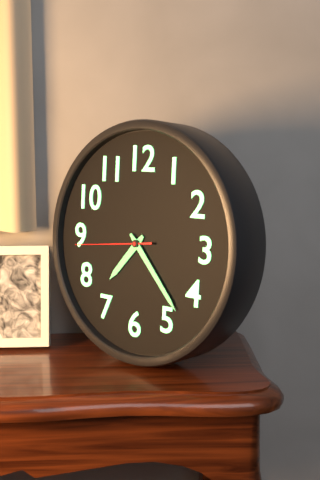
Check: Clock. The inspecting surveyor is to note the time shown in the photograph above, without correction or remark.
7:23:44
